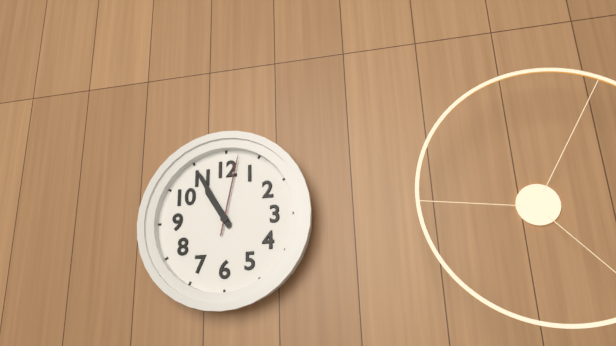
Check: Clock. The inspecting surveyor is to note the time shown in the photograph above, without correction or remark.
10:55:02
